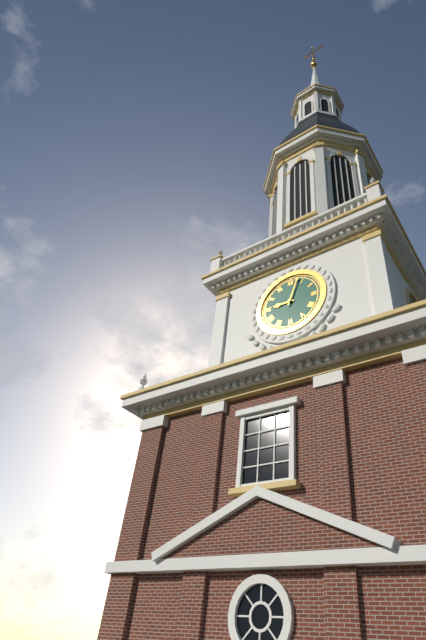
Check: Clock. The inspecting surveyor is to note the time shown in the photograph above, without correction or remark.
9:03
